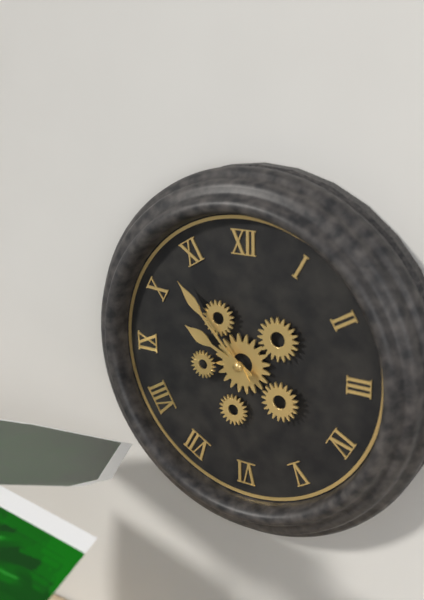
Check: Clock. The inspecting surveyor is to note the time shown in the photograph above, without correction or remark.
9:53
